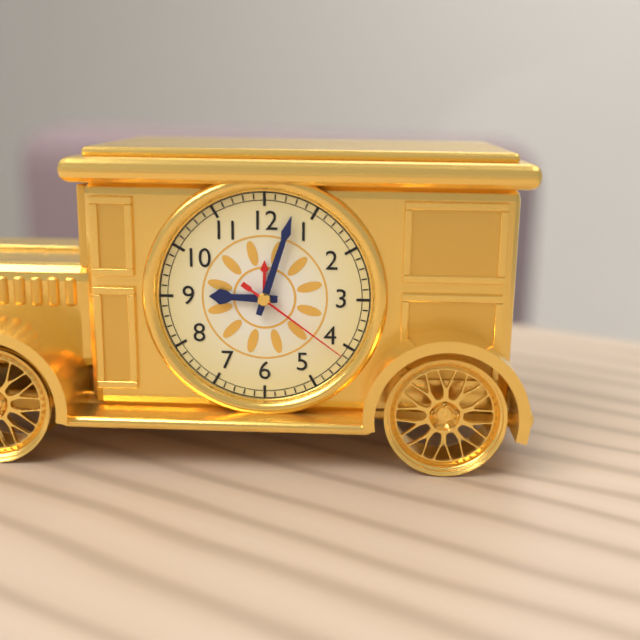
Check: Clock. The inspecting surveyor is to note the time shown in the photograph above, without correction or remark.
9:03:21
